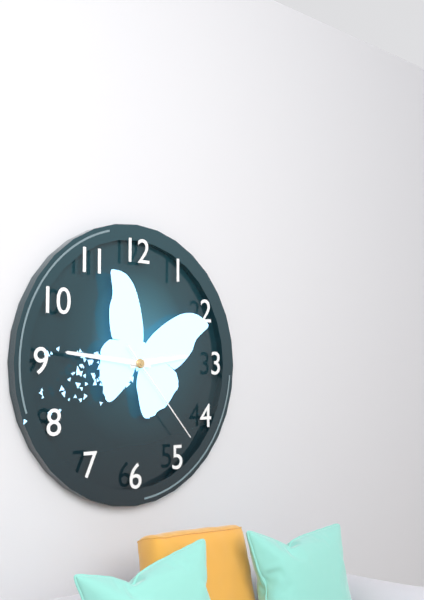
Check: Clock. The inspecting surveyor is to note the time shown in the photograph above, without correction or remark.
2:46:23
